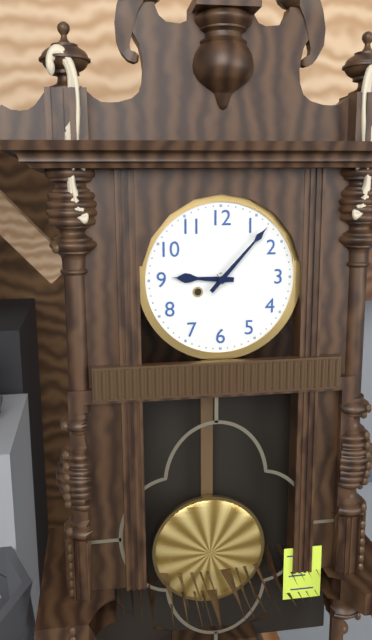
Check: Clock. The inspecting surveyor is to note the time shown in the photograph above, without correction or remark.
9:07
